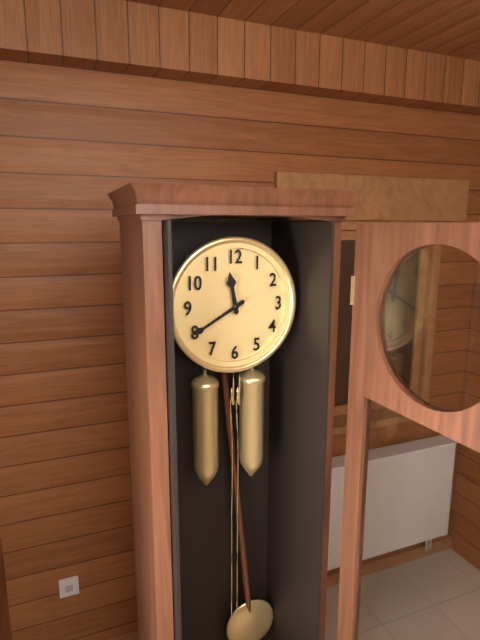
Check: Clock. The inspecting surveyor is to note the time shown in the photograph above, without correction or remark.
11:40
